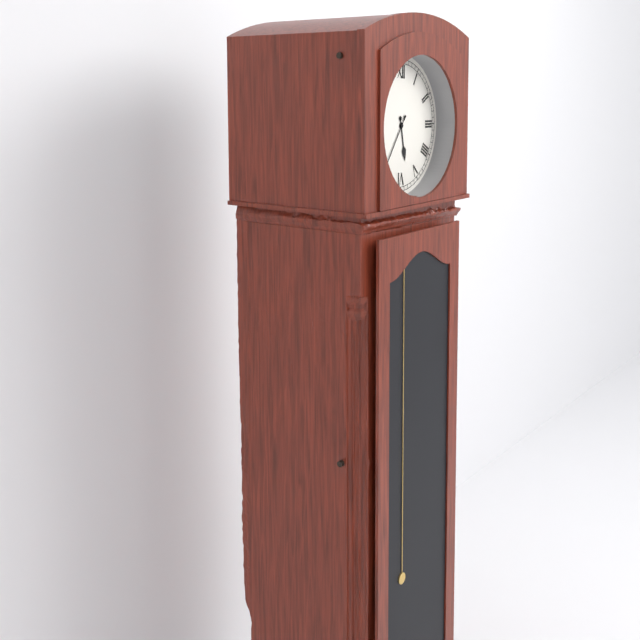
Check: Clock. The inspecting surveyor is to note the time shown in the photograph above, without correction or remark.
5:36
